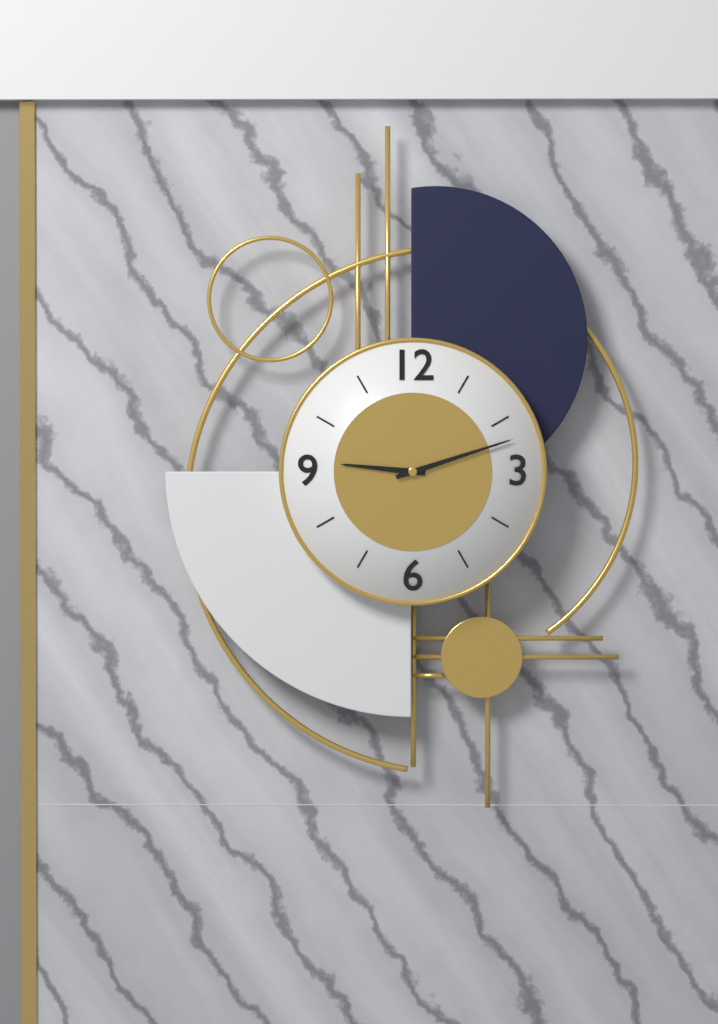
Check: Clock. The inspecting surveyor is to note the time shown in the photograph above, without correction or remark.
9:12
